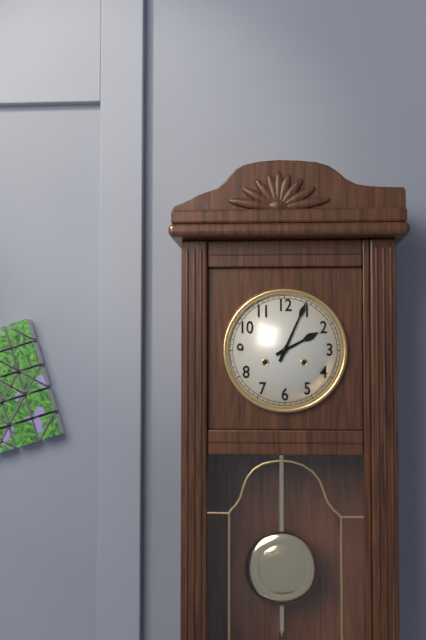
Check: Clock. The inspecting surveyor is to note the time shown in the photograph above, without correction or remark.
2:04
